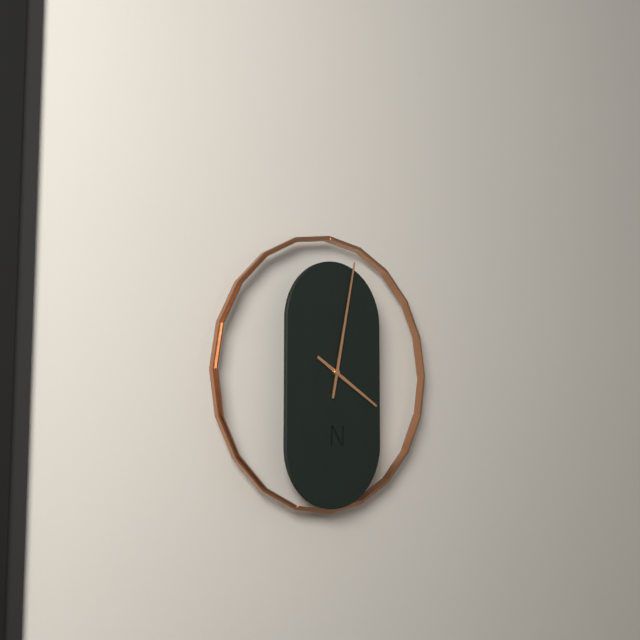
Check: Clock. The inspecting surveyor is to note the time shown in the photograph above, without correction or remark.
4:02
